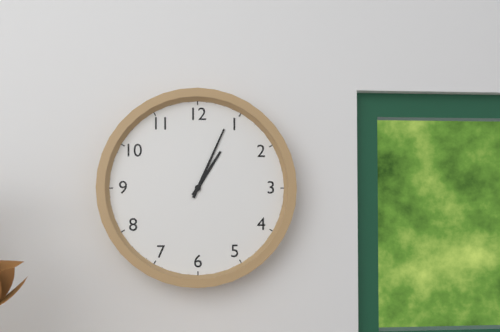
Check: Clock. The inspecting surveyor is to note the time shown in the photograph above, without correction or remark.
1:04
